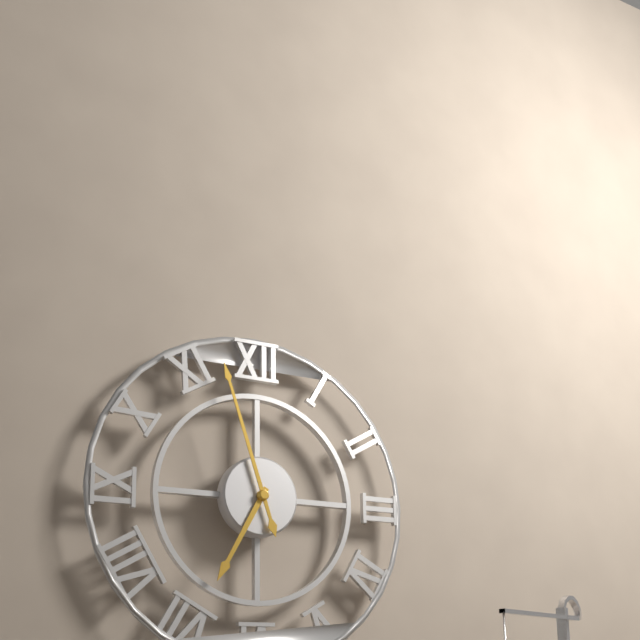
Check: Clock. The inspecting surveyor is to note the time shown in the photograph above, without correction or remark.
6:57
